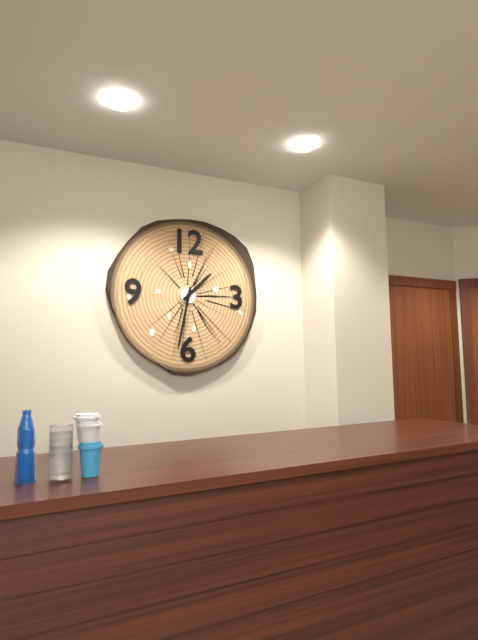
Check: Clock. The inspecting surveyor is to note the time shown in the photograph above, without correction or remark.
1:32
